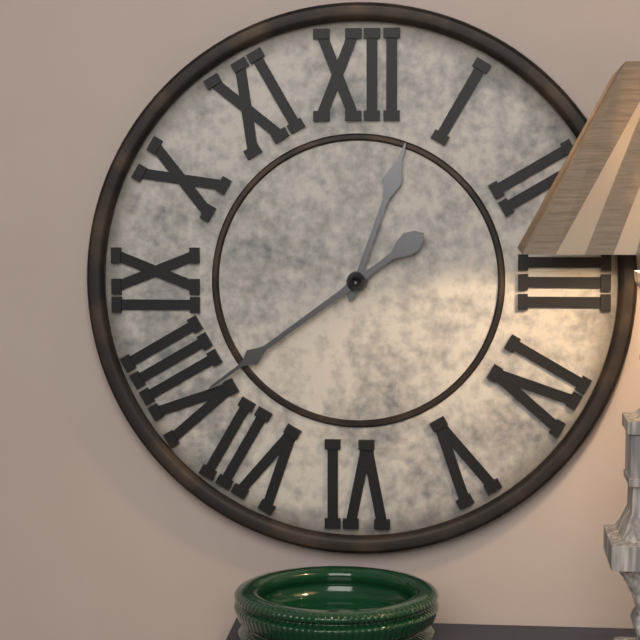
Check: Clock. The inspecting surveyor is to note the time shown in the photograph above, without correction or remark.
12:39
